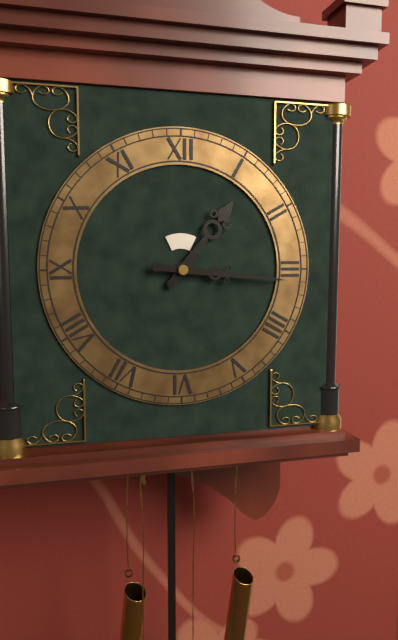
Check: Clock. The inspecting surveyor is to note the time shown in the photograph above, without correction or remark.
1:16
